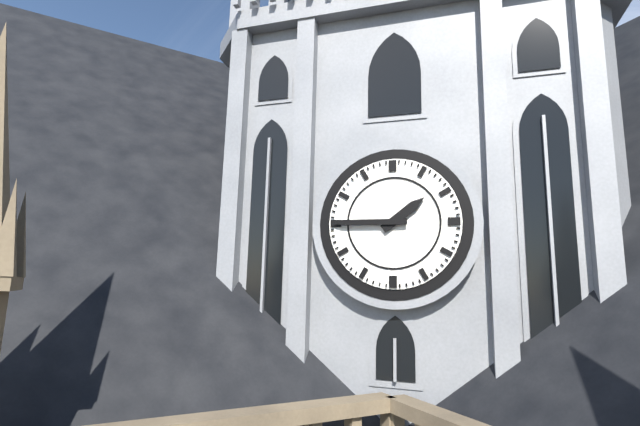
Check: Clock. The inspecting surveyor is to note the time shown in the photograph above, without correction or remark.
1:45
